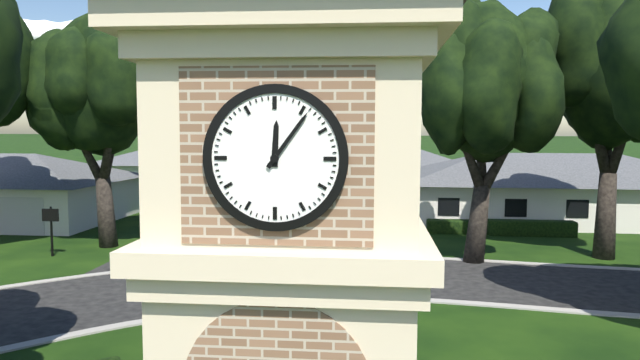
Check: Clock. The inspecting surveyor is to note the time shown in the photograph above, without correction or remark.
12:06
